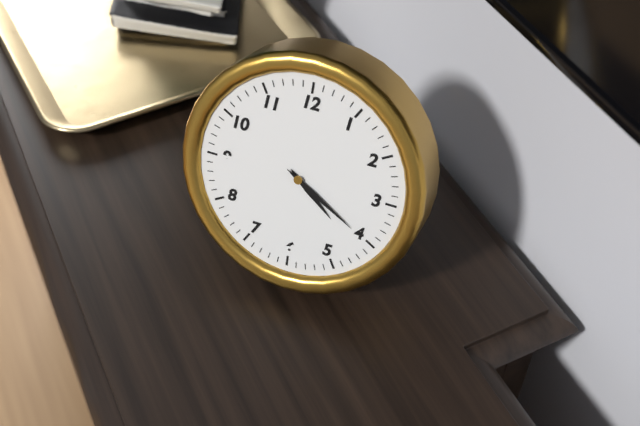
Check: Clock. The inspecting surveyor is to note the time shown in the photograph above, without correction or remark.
4:20
